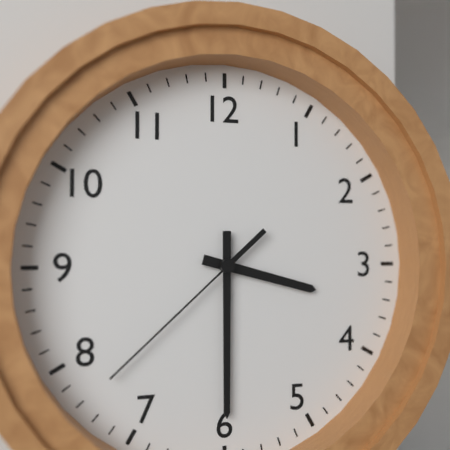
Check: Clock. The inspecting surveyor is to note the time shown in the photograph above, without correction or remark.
3:30:38
